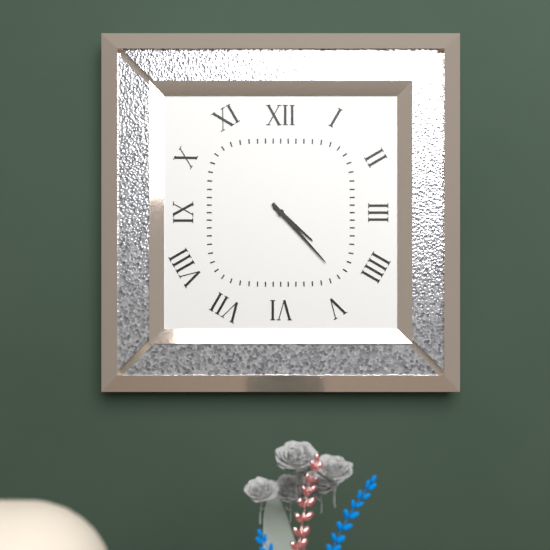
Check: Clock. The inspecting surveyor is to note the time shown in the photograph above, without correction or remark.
4:23
